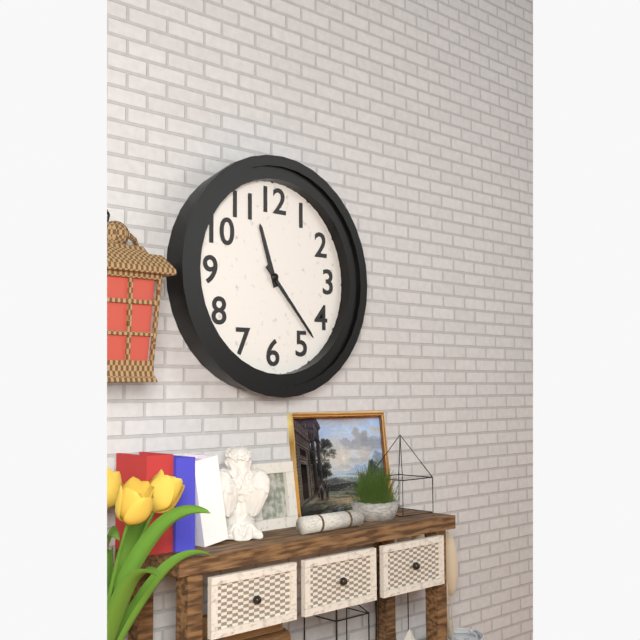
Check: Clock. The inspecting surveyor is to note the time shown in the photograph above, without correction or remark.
11:23
